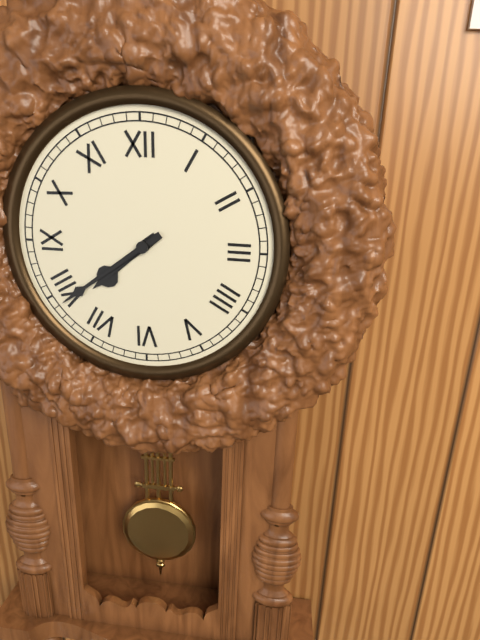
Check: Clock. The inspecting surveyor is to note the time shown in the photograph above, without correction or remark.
7:39
